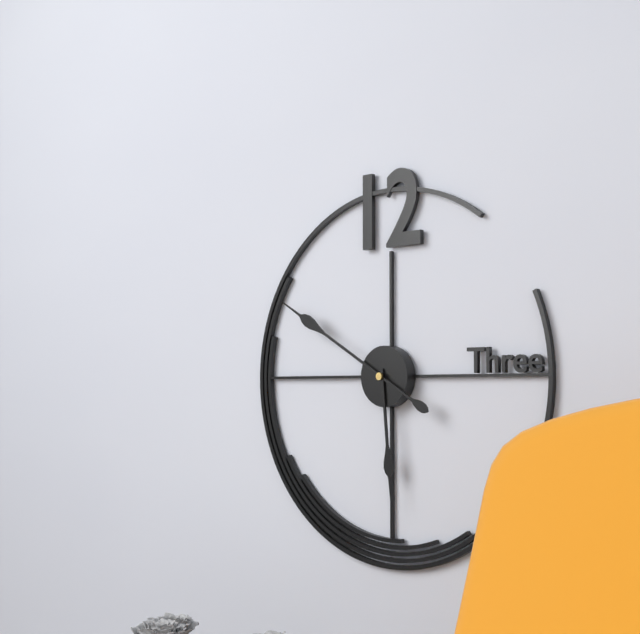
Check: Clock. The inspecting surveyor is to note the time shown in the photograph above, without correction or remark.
5:50
